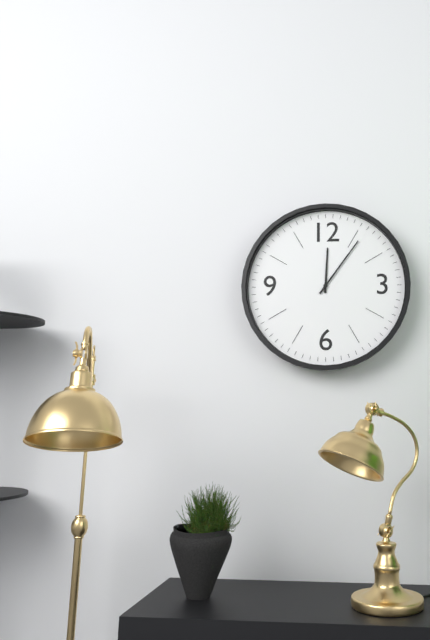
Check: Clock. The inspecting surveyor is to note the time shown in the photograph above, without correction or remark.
12:06
